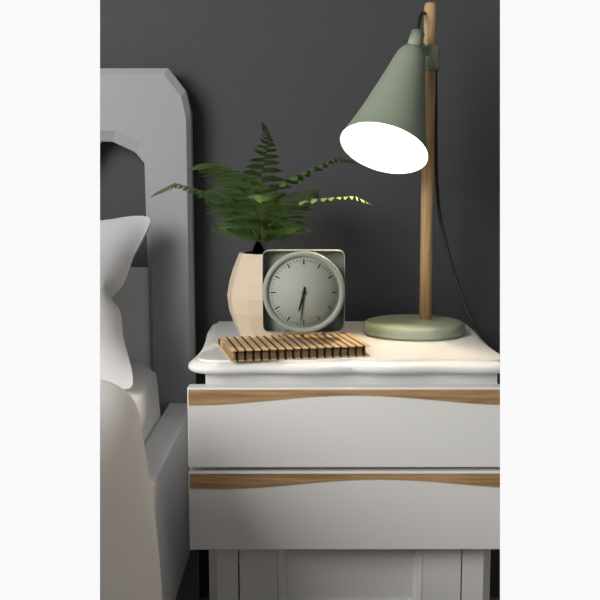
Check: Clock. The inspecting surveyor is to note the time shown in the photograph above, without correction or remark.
6:31
